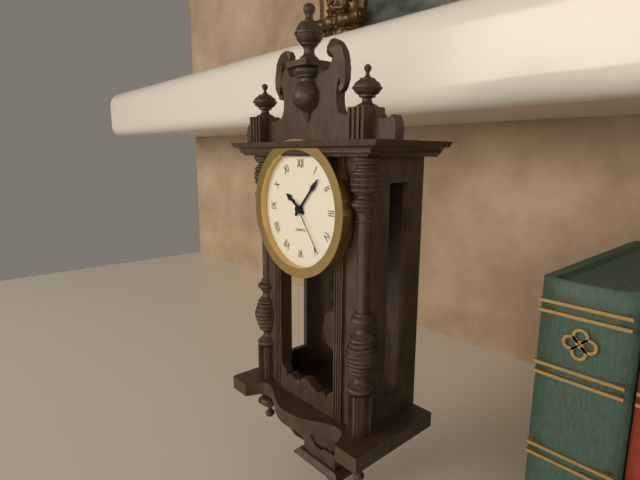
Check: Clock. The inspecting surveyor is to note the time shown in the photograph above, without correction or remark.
10:07:24
